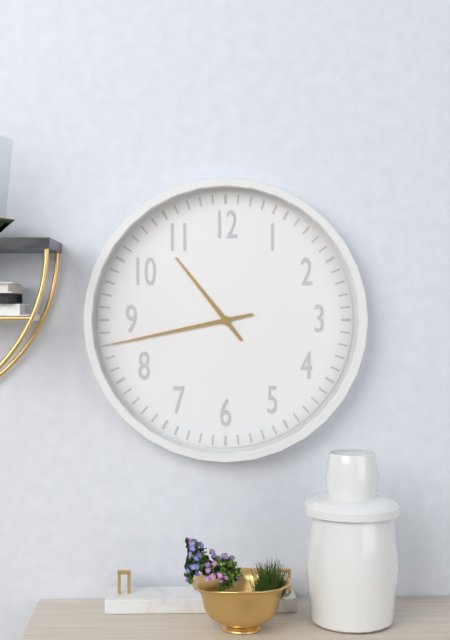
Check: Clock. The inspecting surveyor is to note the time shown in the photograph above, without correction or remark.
10:43
